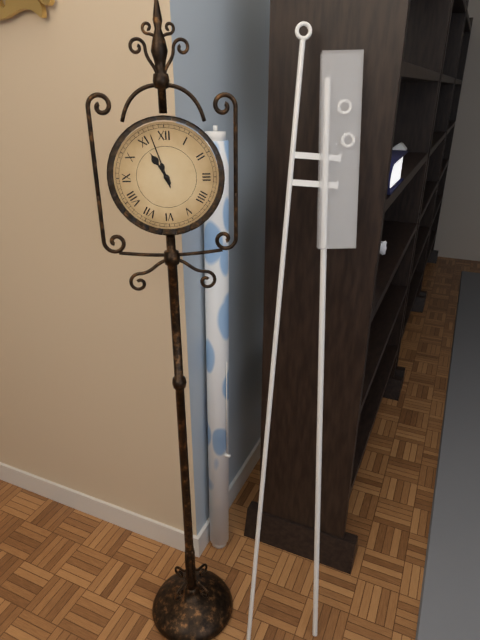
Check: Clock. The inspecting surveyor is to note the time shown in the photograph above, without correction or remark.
10:57
